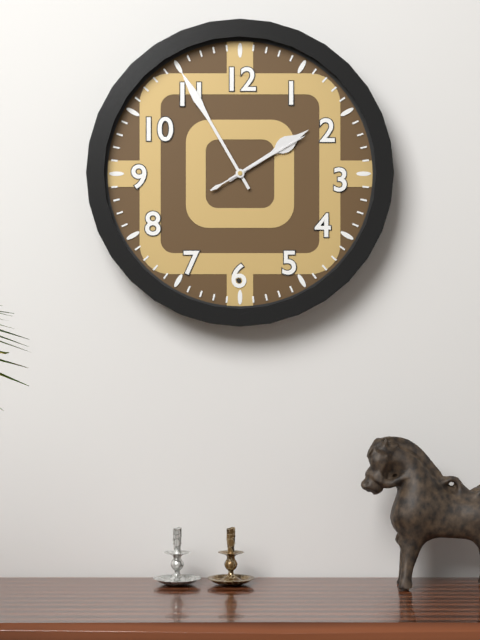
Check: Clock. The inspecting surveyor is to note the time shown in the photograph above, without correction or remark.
1:55:10
